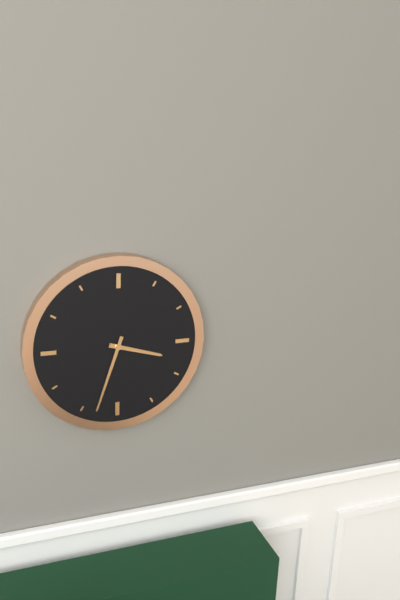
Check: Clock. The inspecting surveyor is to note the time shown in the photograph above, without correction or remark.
3:33
